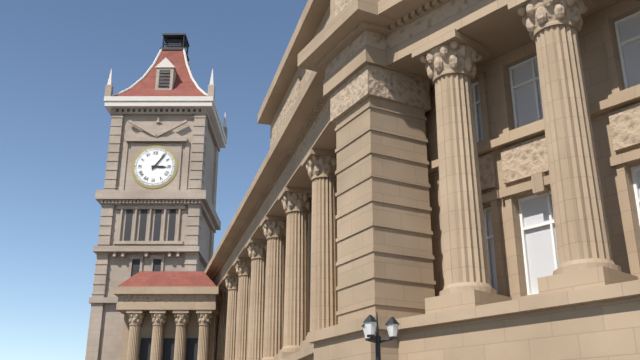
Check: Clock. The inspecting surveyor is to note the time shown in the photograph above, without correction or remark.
3:06
